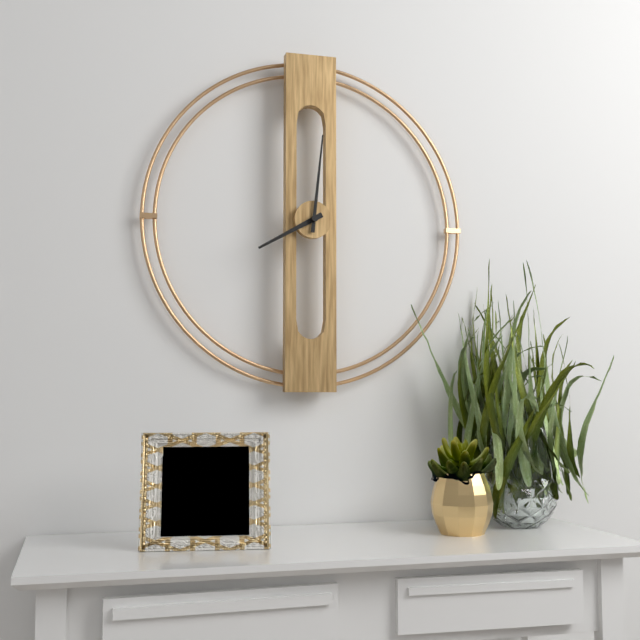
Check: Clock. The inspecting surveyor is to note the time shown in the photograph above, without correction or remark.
8:01
